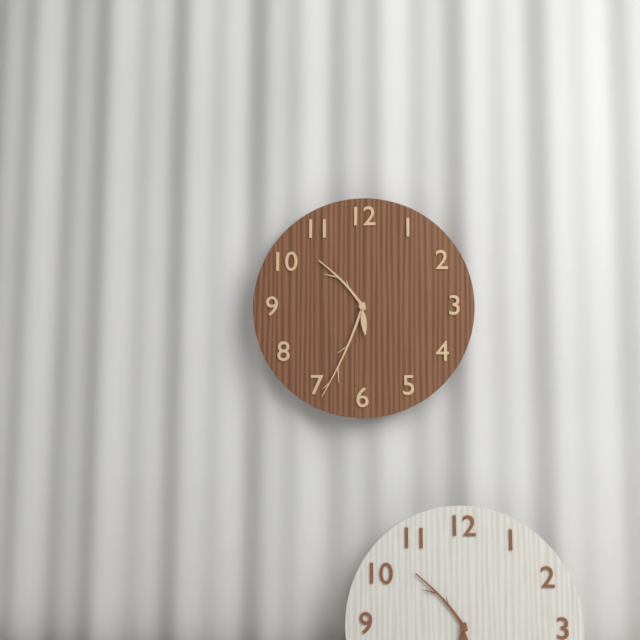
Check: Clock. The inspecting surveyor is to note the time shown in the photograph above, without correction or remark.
10:34
